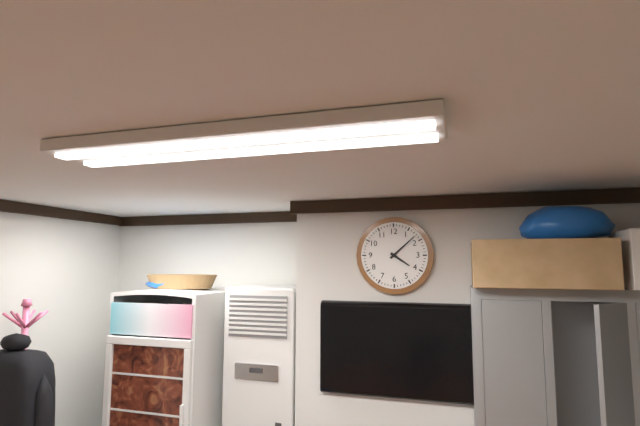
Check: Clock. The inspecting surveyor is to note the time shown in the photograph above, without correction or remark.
4:08
